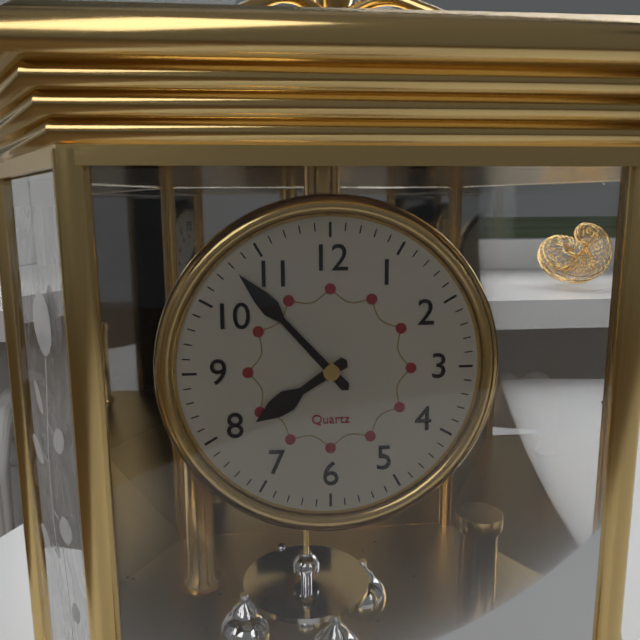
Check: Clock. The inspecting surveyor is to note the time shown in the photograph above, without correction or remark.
7:53
